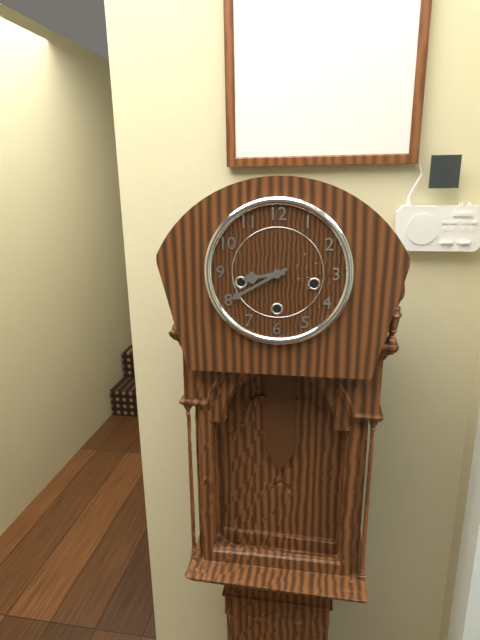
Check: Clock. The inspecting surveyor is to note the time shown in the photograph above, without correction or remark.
8:40
